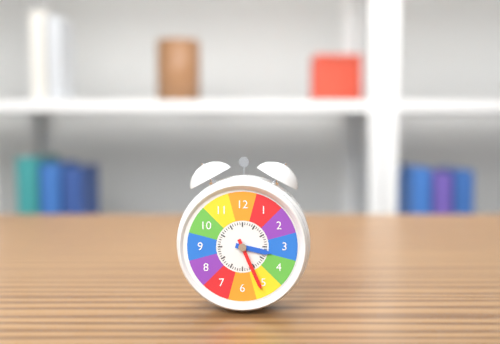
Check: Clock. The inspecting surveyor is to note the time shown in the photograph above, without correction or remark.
3:26
